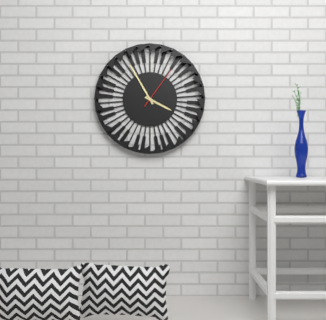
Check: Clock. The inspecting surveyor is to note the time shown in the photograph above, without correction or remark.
3:55
